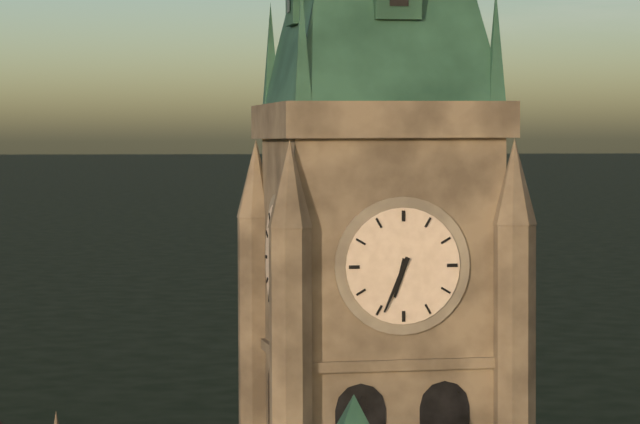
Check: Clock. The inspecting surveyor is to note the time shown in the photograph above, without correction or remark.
6:34
